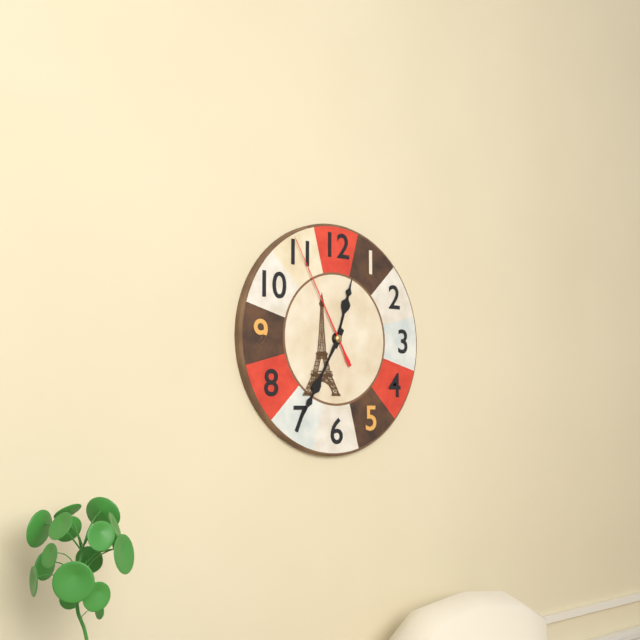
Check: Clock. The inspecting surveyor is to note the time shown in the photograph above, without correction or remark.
12:35:55
